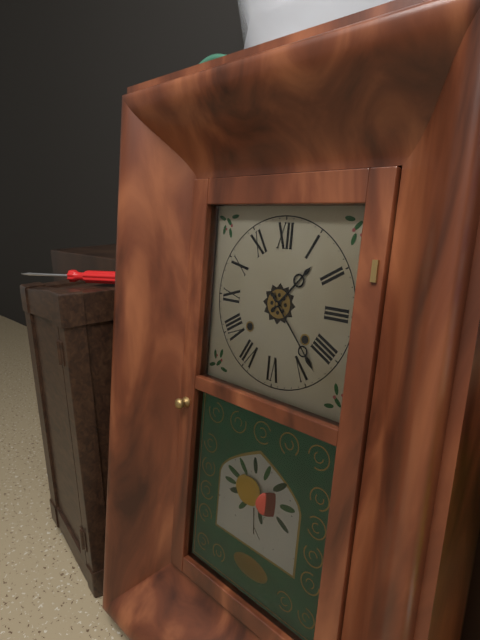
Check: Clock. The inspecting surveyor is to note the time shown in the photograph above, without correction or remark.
1:23
